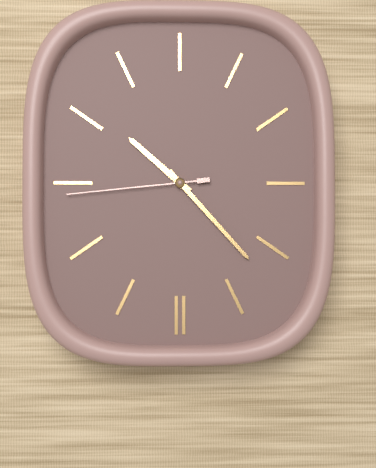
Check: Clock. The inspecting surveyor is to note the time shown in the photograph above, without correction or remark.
10:23:44
